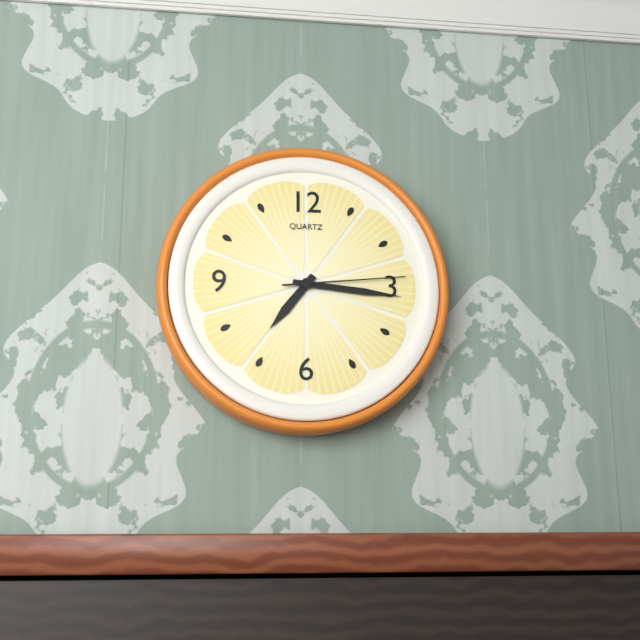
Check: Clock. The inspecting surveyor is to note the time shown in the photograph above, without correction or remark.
7:16:14
